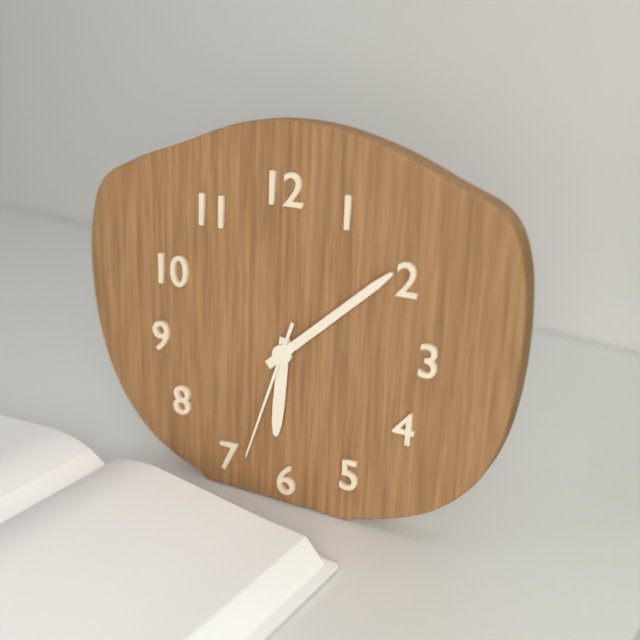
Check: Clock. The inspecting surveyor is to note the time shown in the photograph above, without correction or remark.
6:08:33
